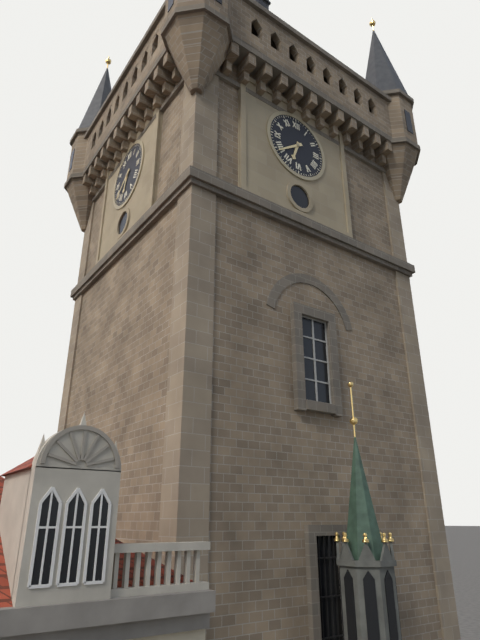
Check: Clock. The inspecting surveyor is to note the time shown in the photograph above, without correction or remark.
6:39
